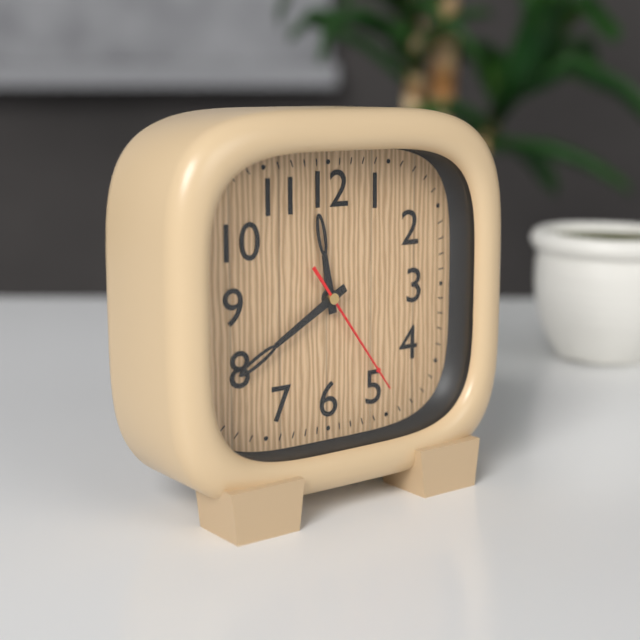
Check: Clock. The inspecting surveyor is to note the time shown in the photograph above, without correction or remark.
11:40:24
